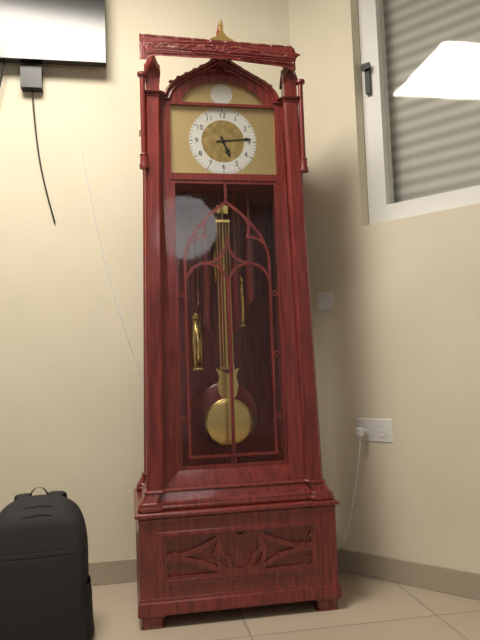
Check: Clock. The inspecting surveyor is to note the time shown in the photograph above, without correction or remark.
5:14
